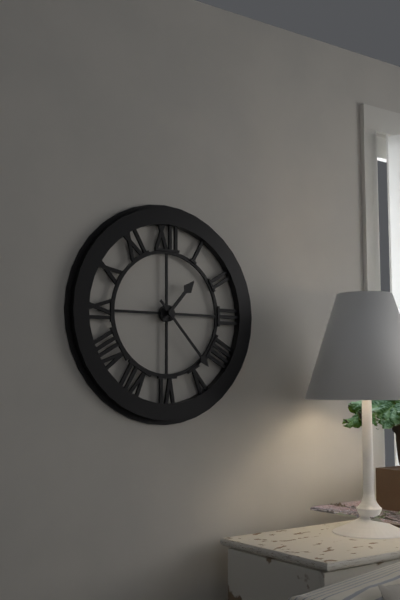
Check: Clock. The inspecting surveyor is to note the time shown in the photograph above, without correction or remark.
1:23
